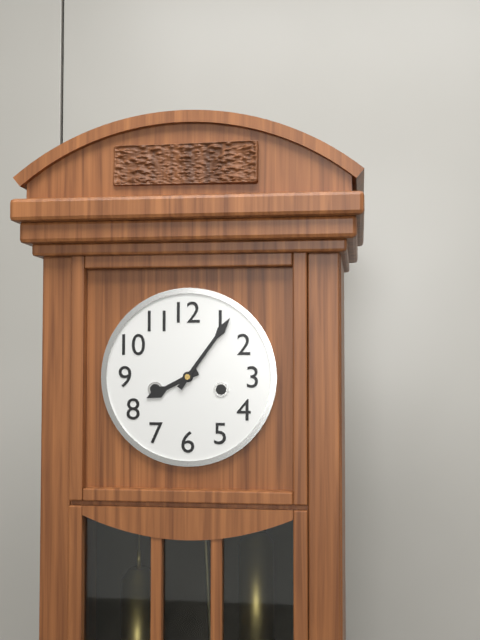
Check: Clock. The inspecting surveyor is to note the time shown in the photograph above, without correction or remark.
8:06
